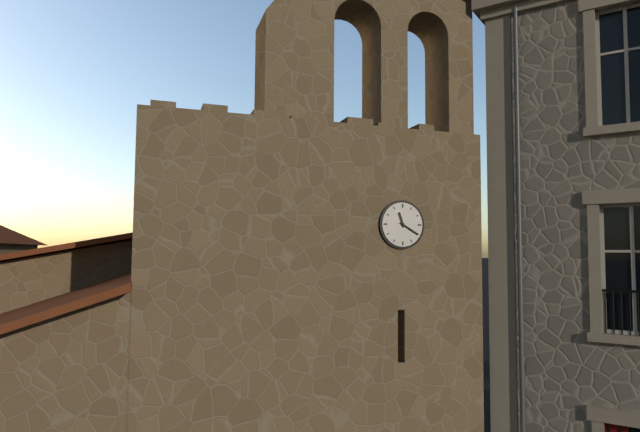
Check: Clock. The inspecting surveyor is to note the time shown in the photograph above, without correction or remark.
11:20
